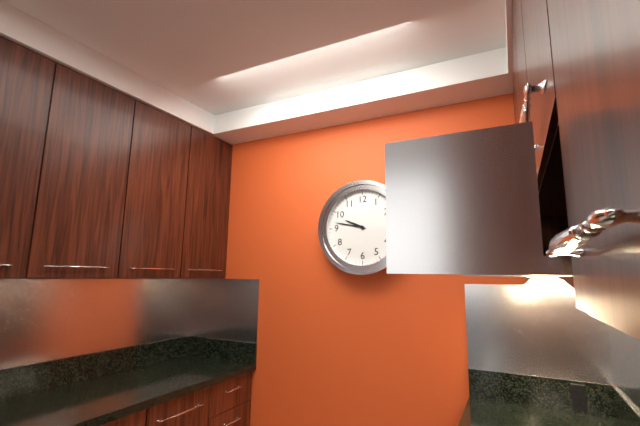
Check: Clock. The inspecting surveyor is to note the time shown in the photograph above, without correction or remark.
9:47
